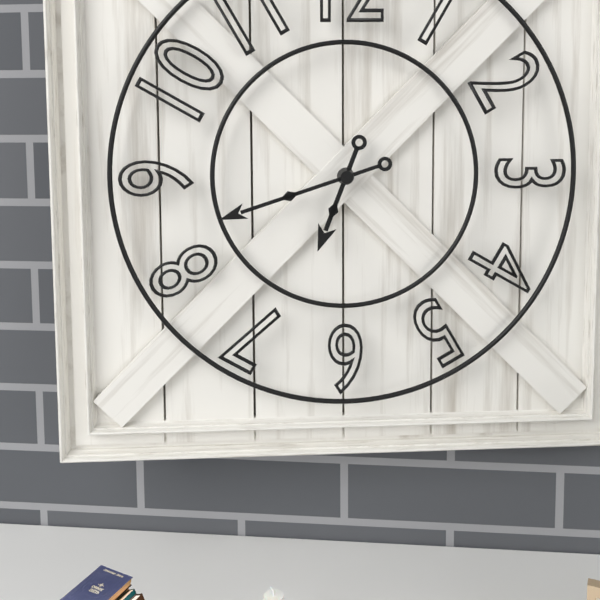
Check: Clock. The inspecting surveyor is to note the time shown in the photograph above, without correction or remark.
6:42
